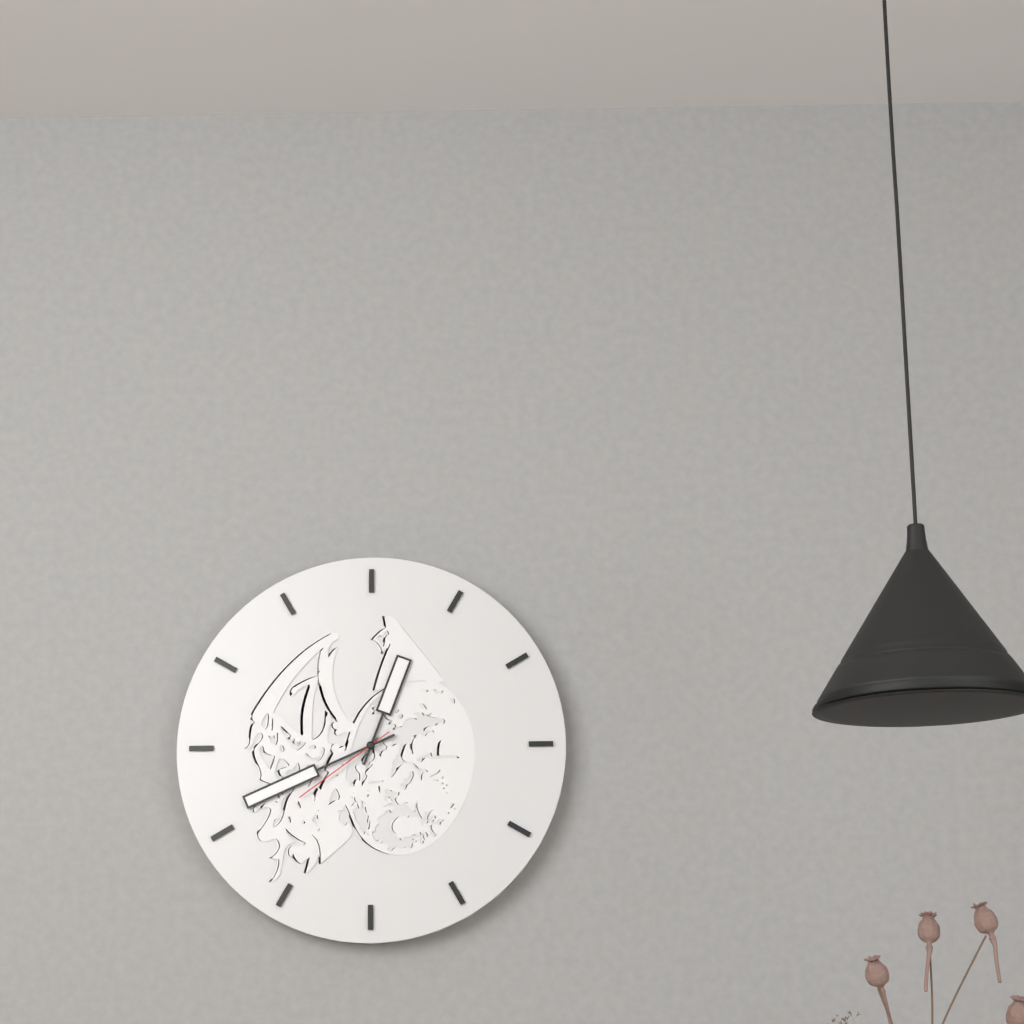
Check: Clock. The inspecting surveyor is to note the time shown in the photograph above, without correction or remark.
12:41:39
